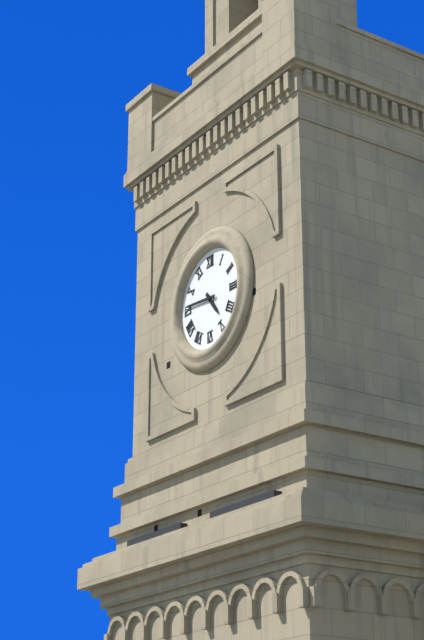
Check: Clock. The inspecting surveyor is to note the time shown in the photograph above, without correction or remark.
4:46
